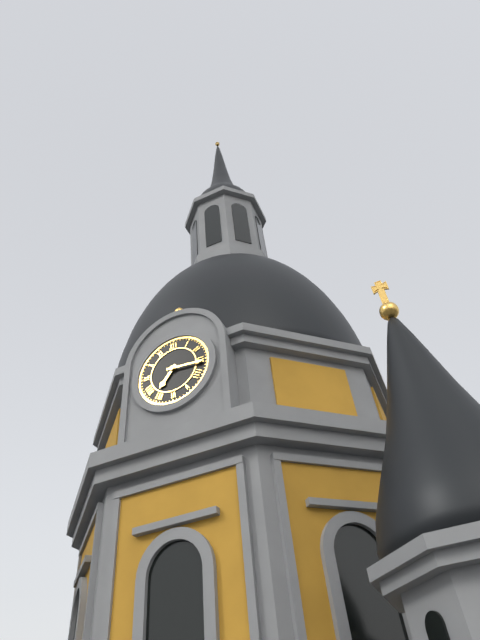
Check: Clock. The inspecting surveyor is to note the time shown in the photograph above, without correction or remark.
7:16
